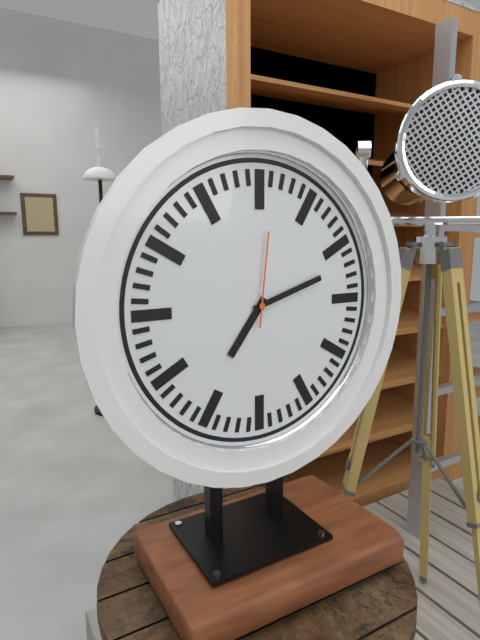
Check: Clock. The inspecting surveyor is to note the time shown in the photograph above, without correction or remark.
7:12:01
